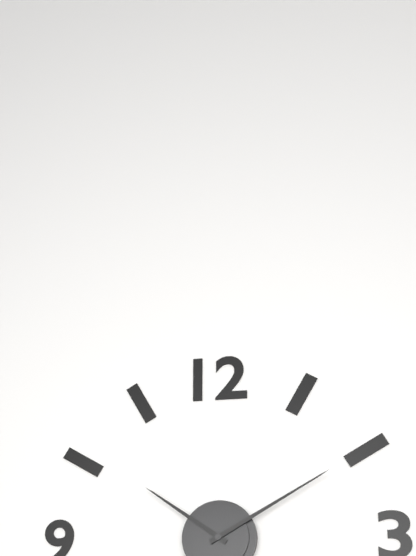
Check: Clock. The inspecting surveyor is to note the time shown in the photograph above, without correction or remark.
10:10
